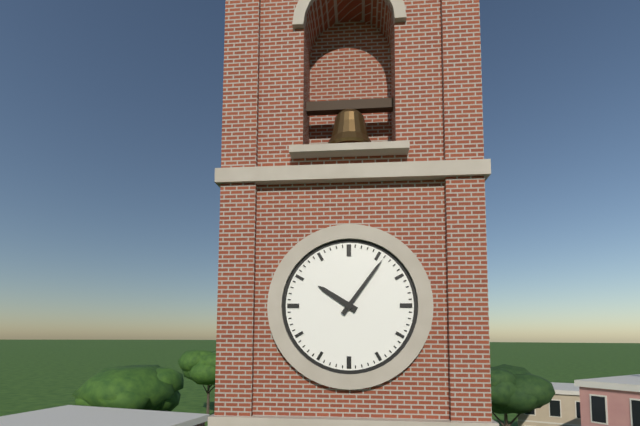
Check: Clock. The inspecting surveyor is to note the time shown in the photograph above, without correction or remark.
10:06
